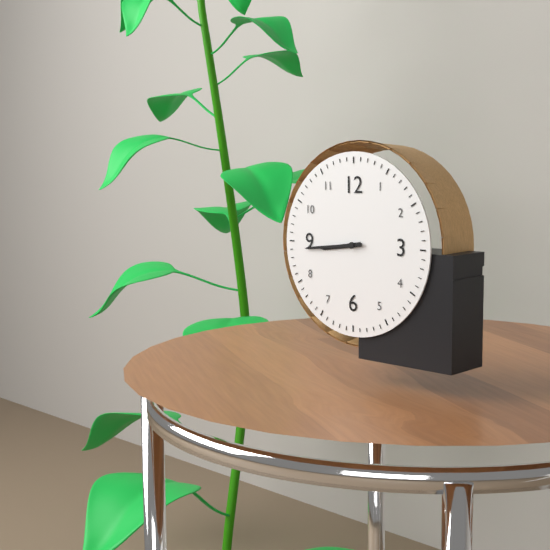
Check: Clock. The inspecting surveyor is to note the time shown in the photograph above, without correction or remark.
8:44
